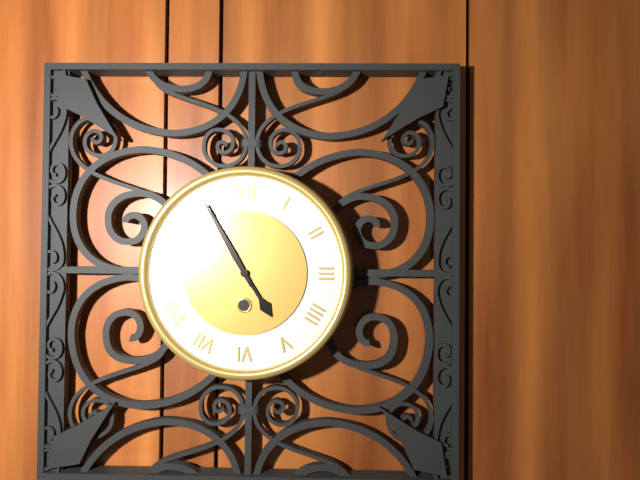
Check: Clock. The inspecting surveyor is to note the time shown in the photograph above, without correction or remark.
4:55
